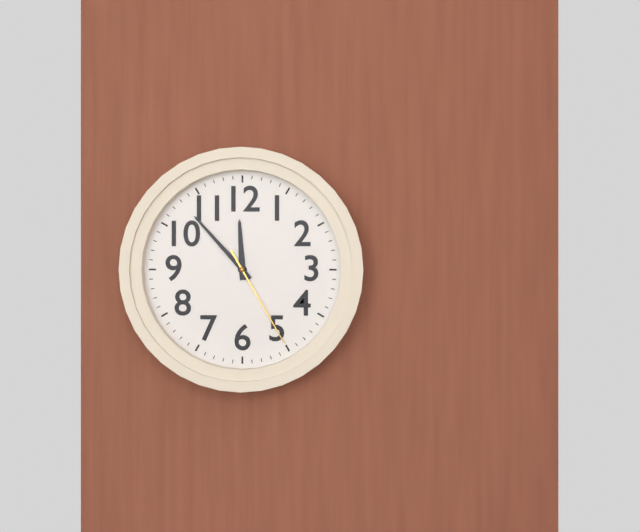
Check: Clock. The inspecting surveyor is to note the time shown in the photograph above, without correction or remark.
11:53:25
